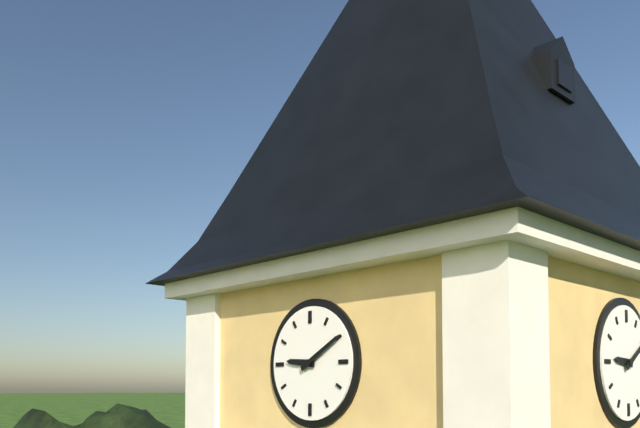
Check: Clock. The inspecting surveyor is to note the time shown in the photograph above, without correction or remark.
9:10
